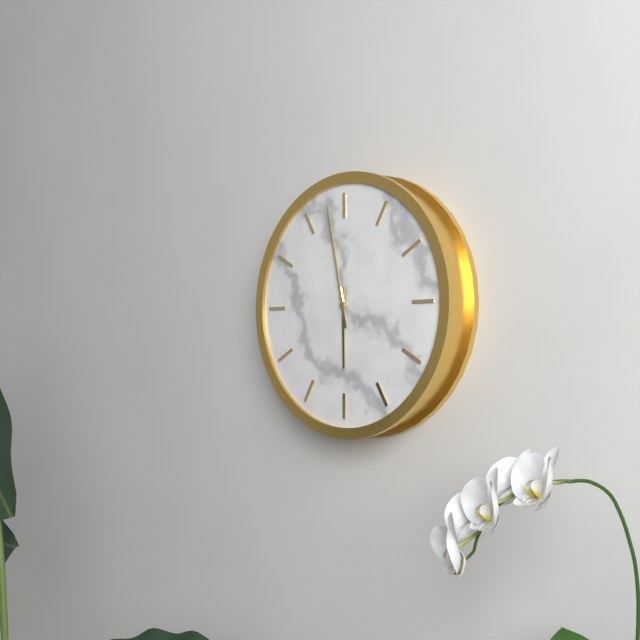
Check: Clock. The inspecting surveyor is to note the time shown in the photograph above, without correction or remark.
5:58
